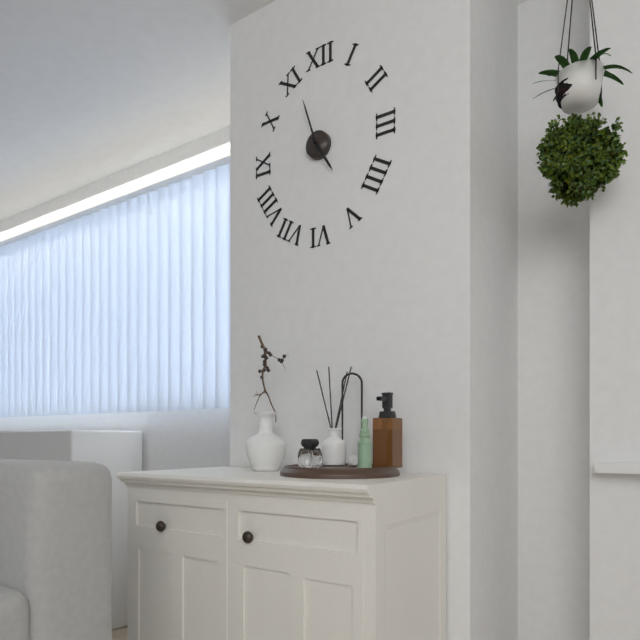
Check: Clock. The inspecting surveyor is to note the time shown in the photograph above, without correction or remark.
4:57
